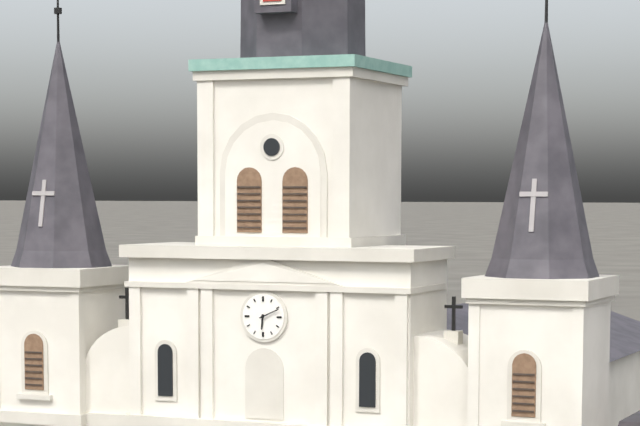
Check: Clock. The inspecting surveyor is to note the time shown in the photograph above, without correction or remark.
6:11
